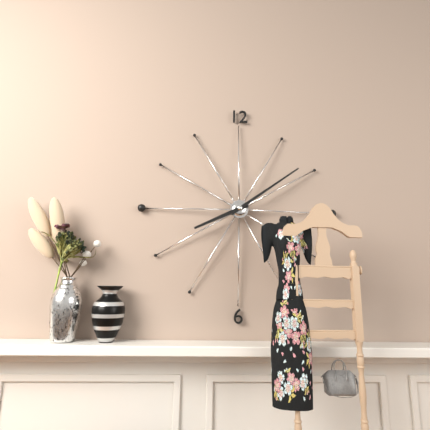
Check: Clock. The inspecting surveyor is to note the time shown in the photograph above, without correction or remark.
8:09
